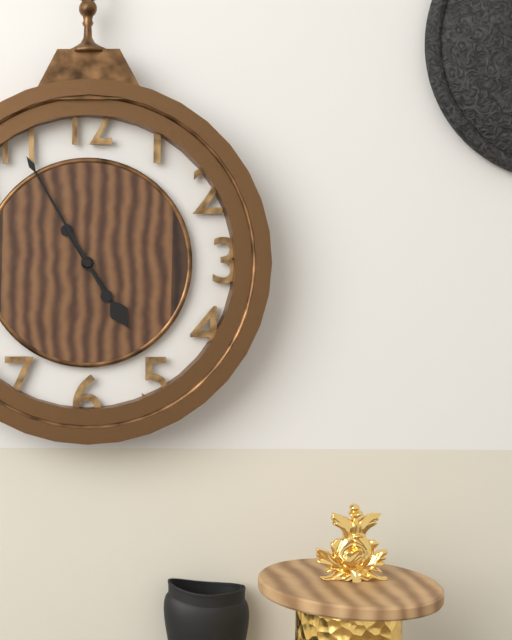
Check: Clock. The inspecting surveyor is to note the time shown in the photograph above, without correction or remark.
4:55
